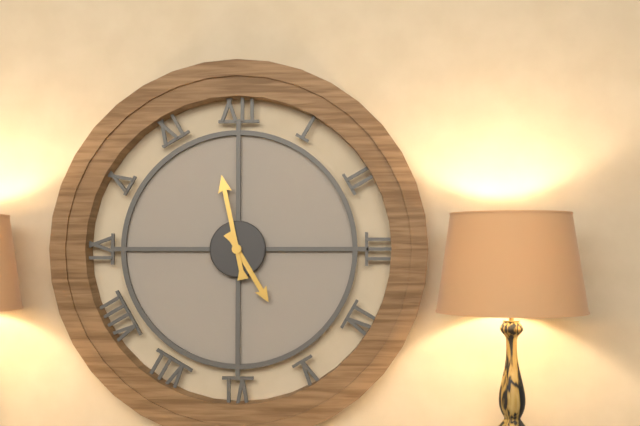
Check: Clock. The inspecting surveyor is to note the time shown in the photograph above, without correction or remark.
4:58
